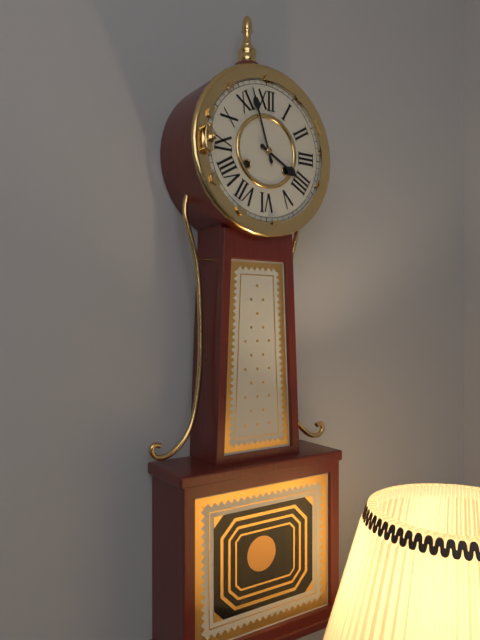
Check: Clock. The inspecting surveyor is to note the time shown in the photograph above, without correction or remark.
3:57
